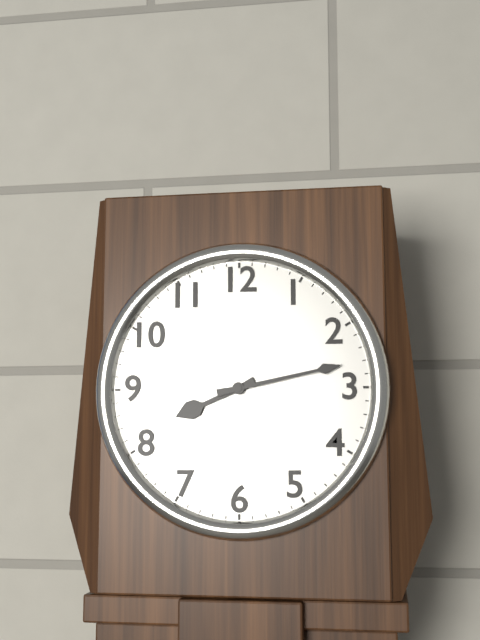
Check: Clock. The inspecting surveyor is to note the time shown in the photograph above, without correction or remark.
8:13
